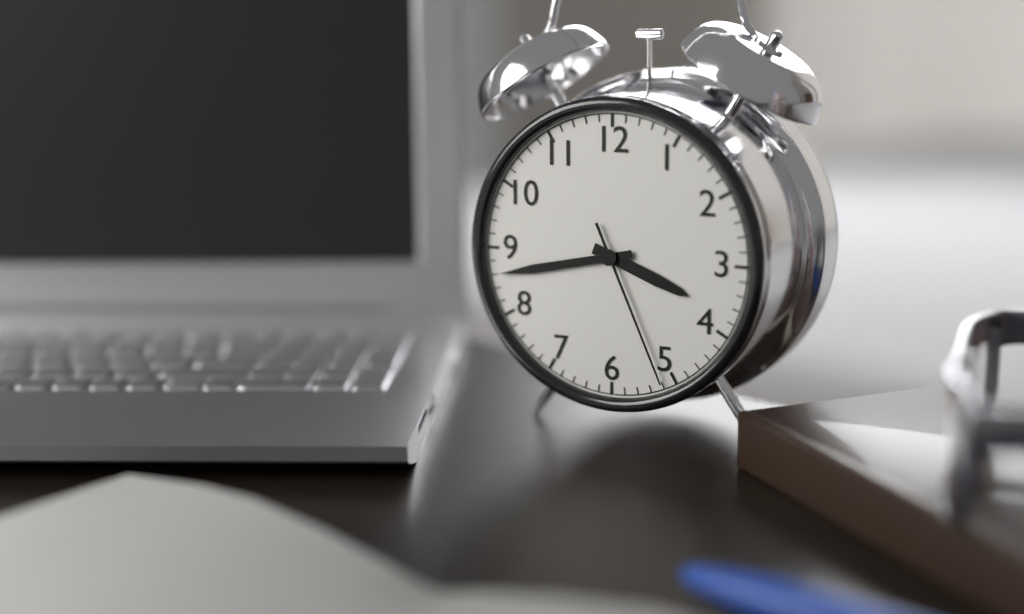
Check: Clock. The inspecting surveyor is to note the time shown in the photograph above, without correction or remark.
3:43:26
